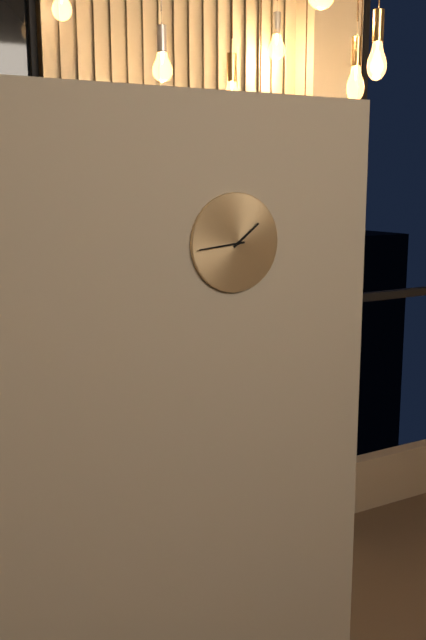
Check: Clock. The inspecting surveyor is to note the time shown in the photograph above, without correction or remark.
1:44
